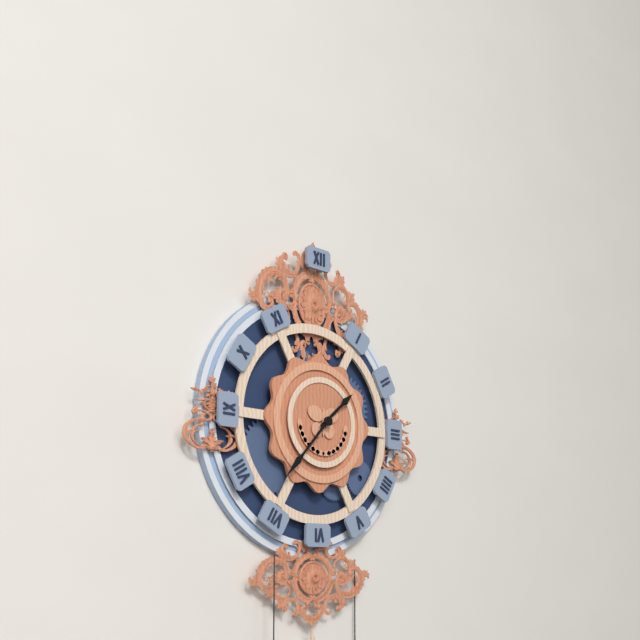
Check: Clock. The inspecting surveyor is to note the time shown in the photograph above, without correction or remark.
1:37
